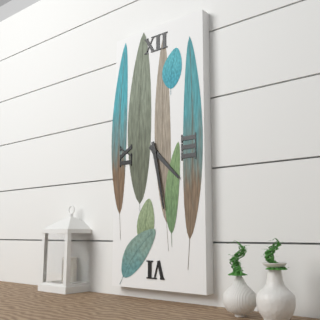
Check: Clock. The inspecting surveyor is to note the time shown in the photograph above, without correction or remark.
4:28
